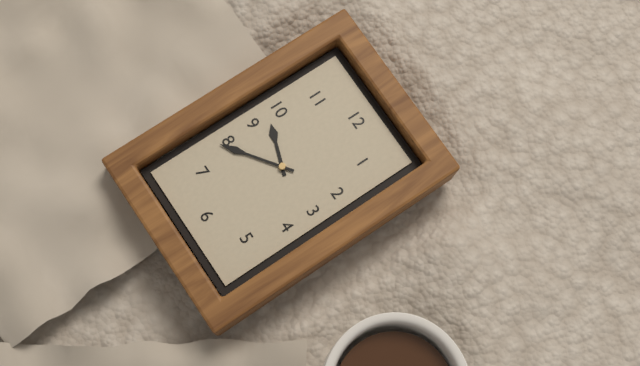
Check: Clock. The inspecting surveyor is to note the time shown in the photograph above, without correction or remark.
9:39
